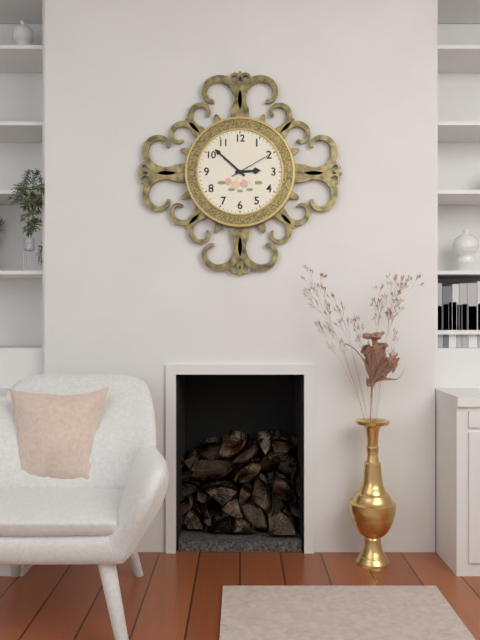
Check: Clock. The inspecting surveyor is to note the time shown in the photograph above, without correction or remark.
2:52
